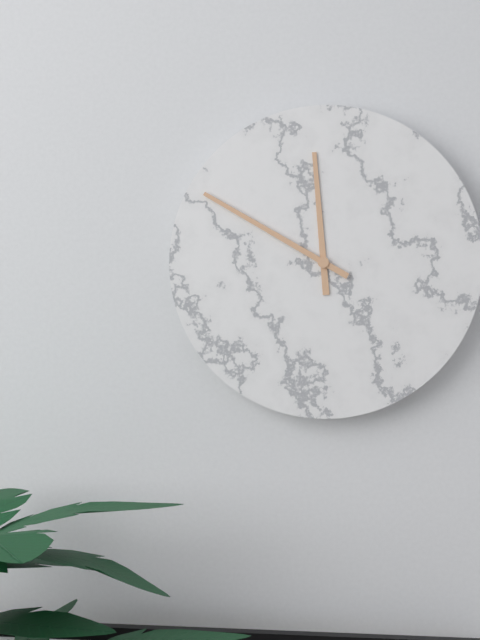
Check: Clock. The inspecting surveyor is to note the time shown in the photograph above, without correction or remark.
11:50
